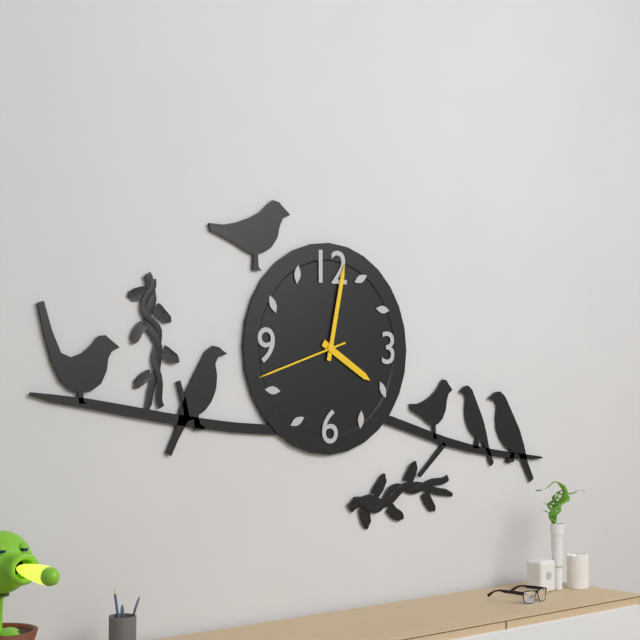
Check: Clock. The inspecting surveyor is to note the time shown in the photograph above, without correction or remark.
4:02:42
